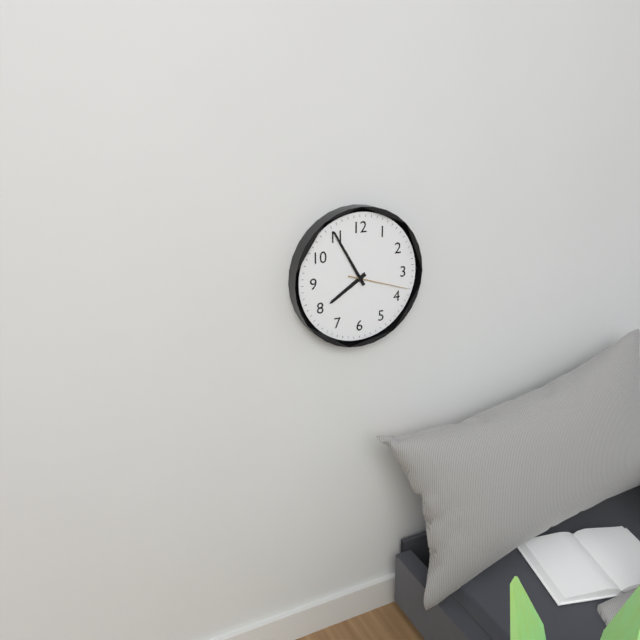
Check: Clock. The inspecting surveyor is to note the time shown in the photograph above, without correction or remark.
7:55:18
